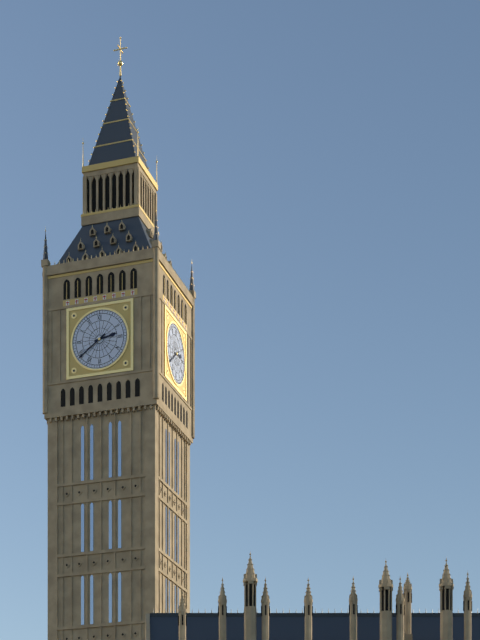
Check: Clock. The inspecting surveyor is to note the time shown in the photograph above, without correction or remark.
2:39
